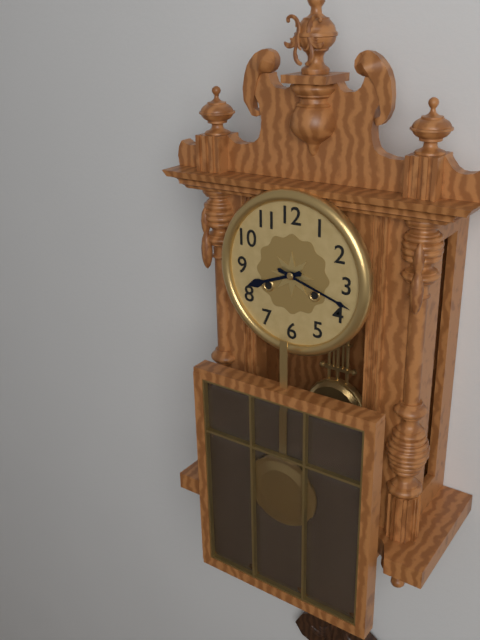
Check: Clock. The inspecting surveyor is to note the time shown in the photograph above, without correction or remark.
8:18
